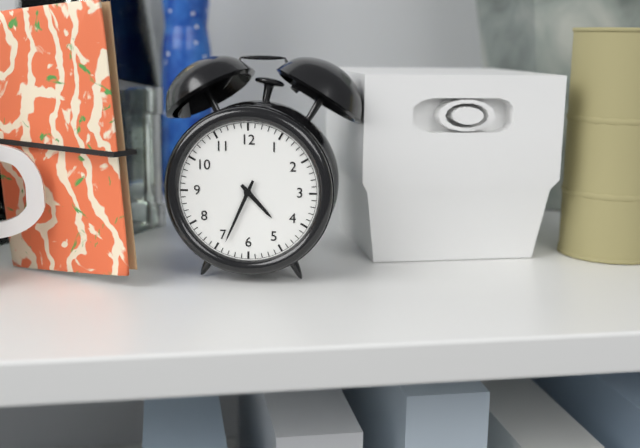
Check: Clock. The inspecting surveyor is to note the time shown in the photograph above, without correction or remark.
4:34
